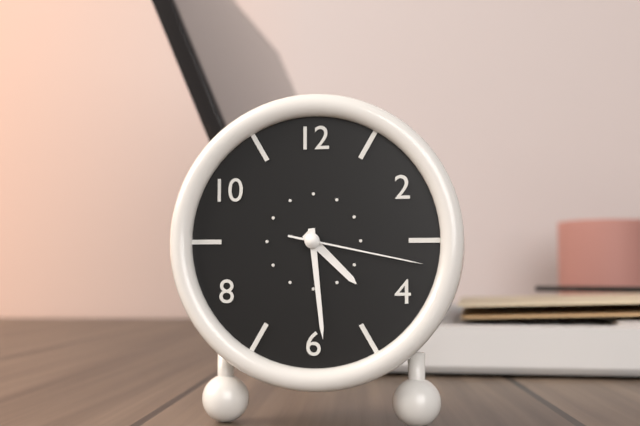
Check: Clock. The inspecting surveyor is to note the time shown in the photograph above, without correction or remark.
4:29:17
